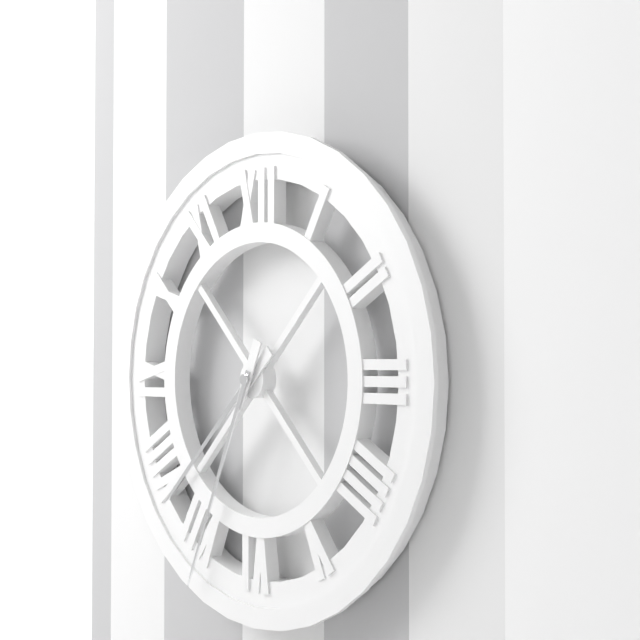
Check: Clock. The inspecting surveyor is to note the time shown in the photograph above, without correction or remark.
7:34
